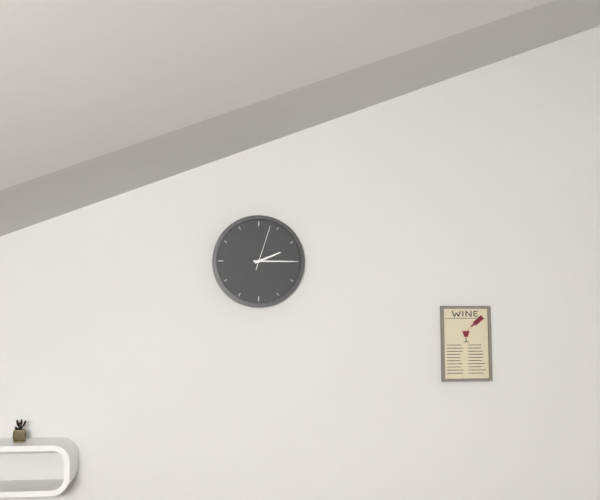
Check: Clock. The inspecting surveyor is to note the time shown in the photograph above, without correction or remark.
2:15
